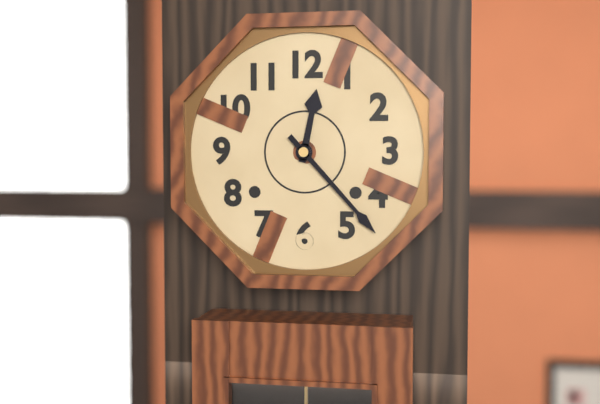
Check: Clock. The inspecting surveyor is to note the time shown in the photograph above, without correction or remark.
12:23
